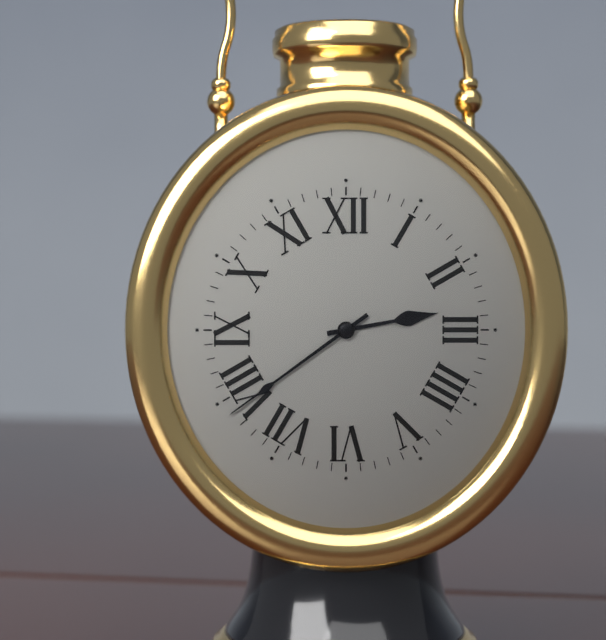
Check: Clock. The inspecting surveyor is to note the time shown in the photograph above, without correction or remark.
2:39
